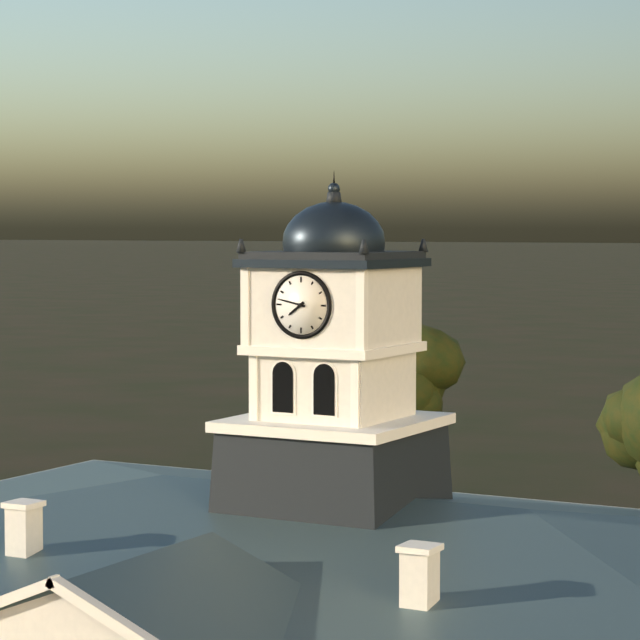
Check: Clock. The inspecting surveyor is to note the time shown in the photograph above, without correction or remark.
7:47
